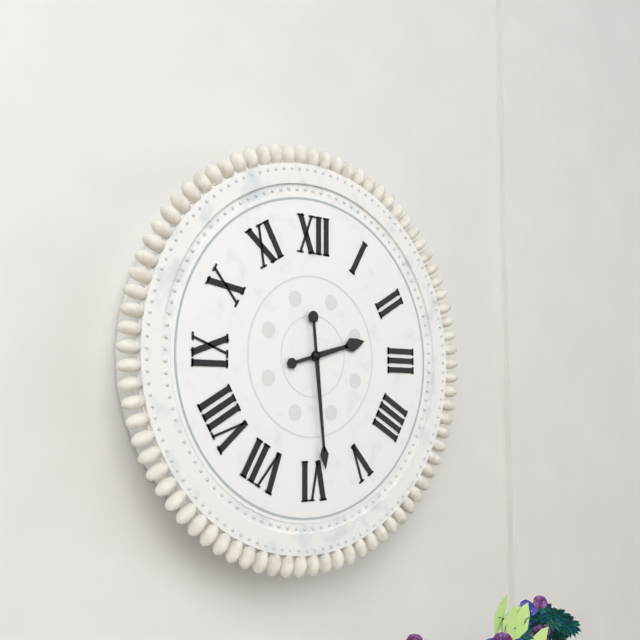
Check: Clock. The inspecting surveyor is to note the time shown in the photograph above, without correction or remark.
2:29
